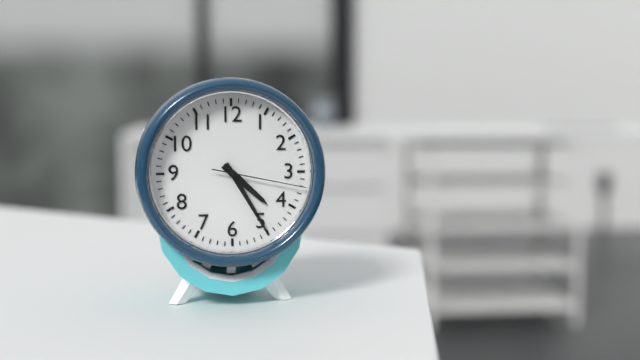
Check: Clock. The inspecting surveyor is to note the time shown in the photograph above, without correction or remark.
4:25:17
